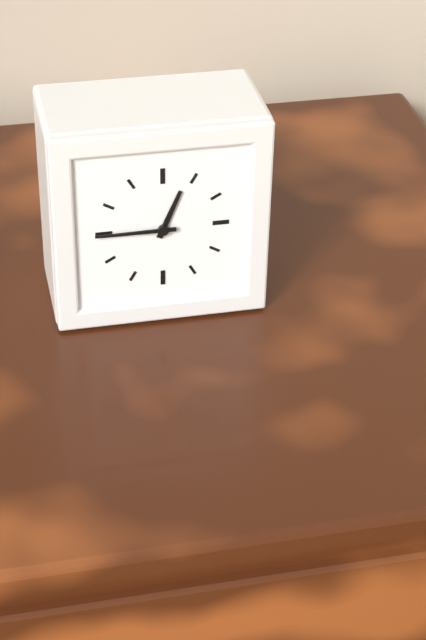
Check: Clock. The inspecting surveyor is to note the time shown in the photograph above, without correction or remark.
12:45
